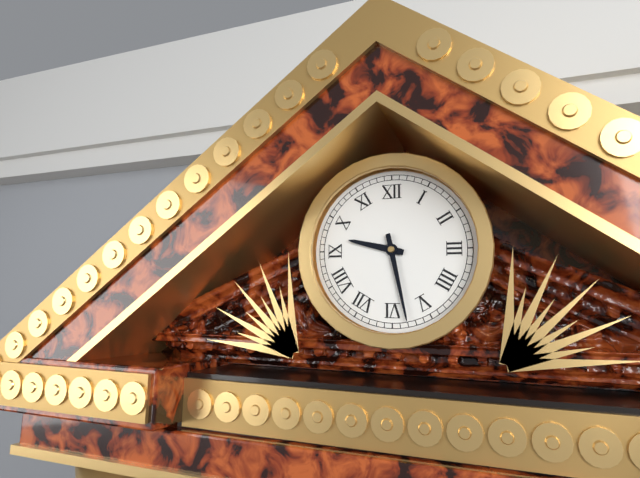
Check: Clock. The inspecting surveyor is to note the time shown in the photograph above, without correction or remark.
9:28
